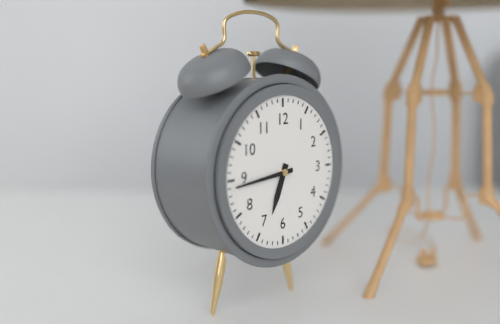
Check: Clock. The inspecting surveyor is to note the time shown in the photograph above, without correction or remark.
6:44
